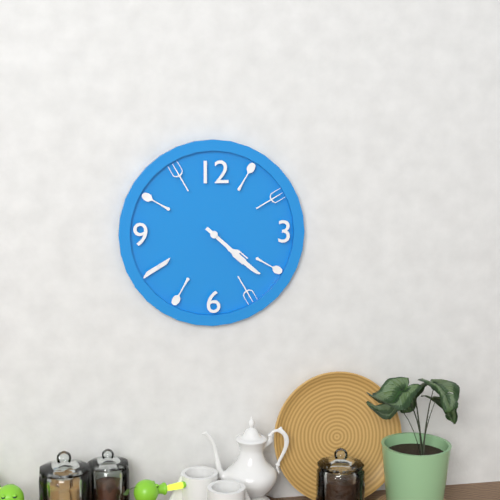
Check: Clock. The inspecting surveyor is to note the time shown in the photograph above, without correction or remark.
4:22
